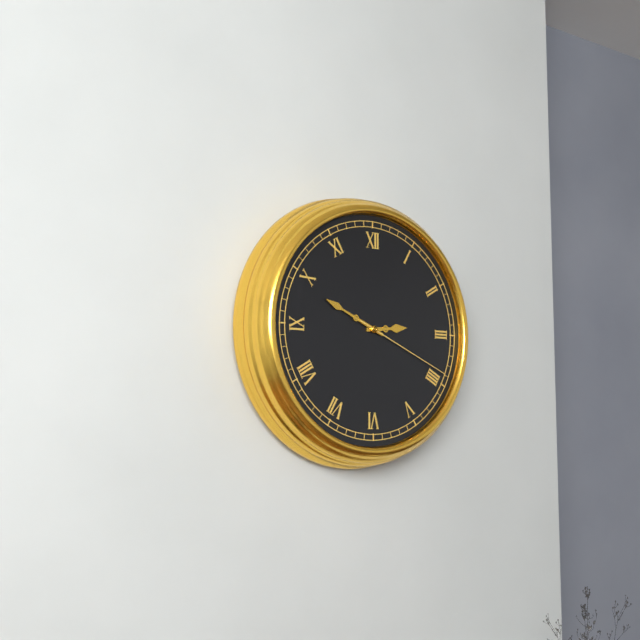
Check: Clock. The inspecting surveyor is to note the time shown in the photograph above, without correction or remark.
2:49:19
